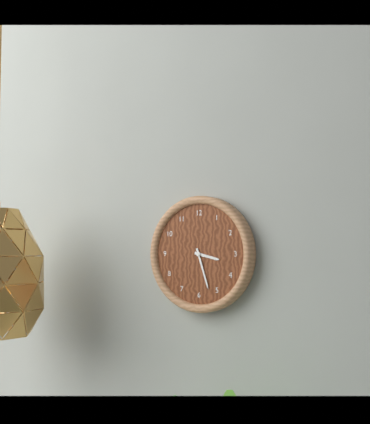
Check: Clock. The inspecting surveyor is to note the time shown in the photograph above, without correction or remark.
3:27
